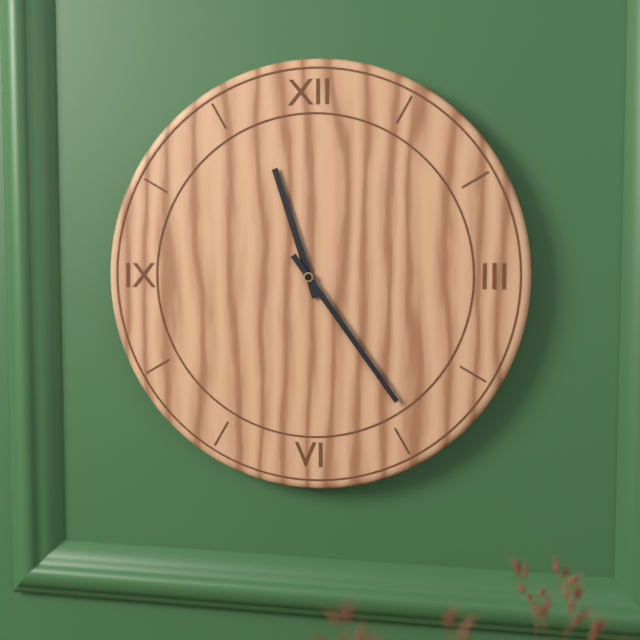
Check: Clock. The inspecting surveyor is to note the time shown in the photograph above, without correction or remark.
11:24
